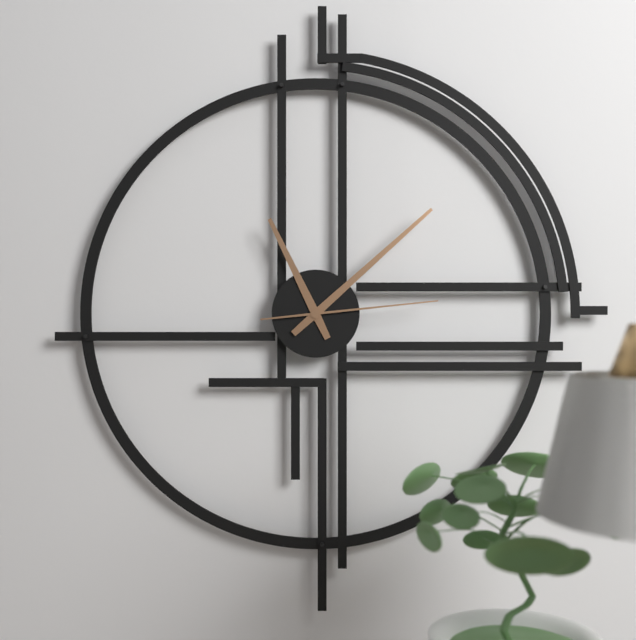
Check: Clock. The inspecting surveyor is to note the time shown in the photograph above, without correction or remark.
11:08:14
